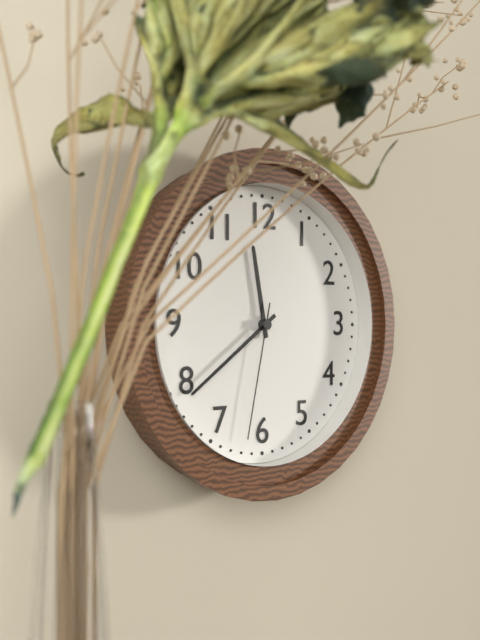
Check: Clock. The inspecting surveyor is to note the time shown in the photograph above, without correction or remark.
11:39:32
